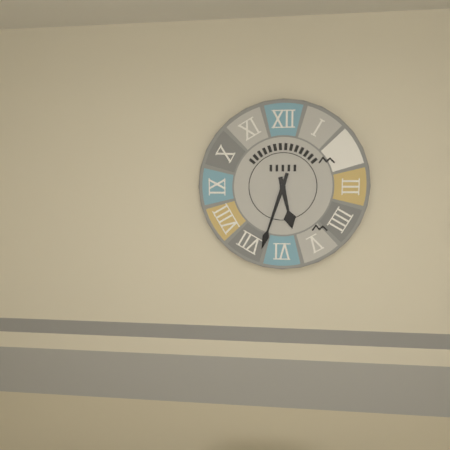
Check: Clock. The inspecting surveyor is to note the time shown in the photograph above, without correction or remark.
5:33
